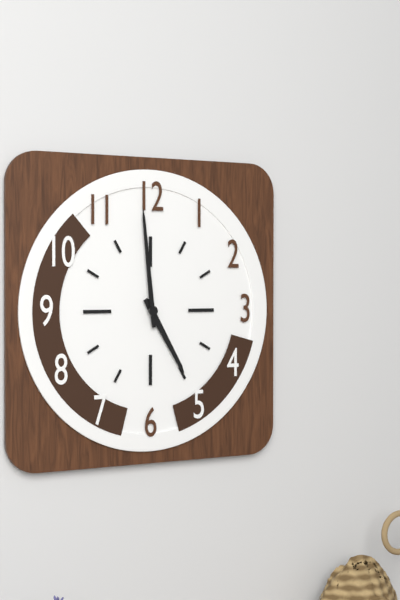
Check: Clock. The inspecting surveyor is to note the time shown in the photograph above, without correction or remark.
4:59
